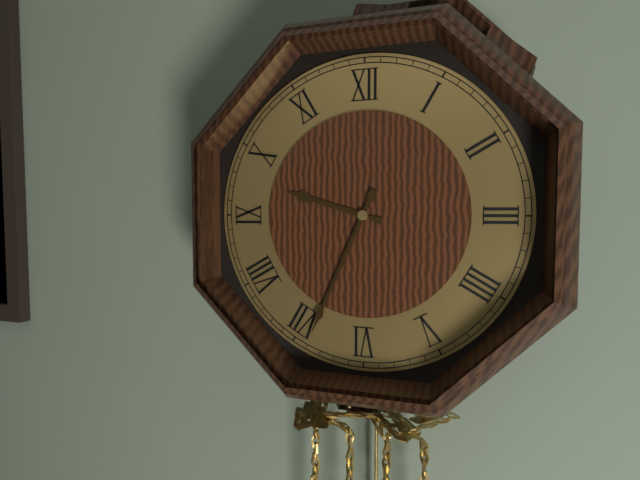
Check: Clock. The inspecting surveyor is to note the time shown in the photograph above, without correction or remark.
9:34
